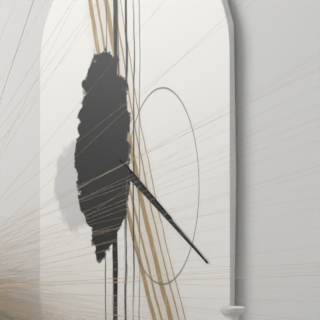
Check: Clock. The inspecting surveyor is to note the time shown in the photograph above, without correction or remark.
4:22
